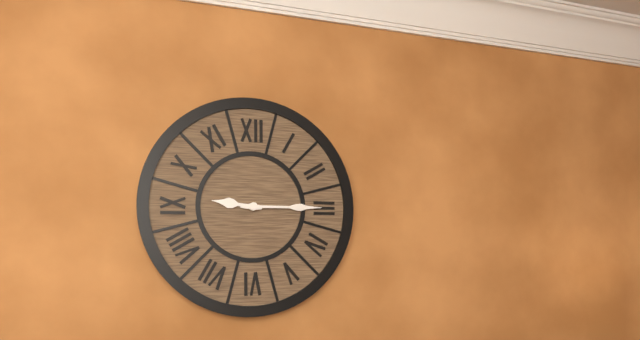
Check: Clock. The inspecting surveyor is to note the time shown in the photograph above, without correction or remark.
9:15
